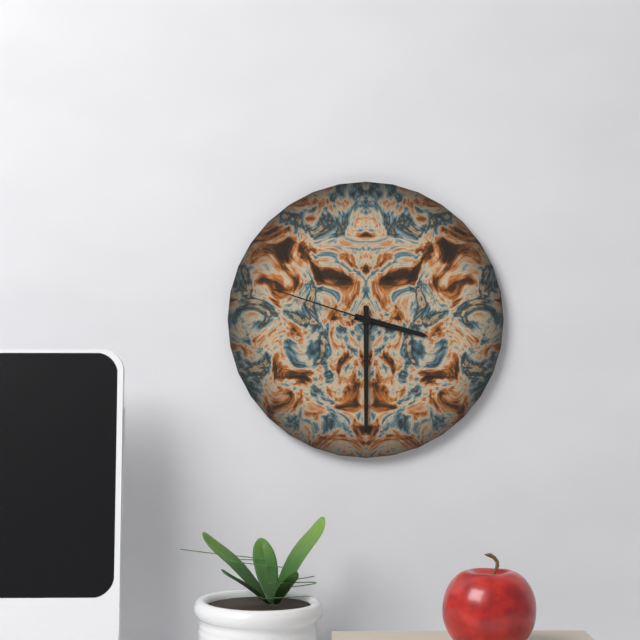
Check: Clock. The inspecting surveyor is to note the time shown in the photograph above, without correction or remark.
3:30:48
